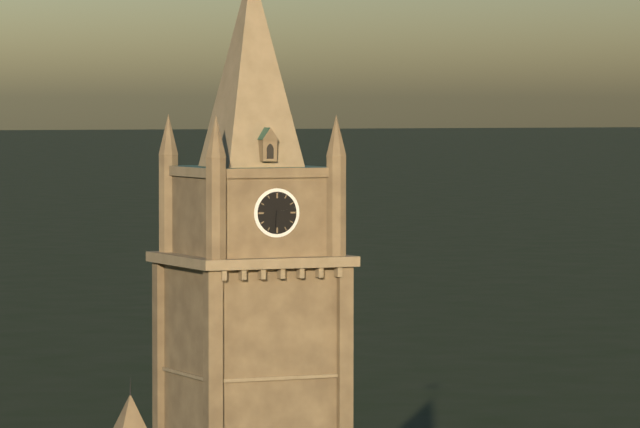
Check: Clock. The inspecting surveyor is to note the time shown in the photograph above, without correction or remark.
2:31
